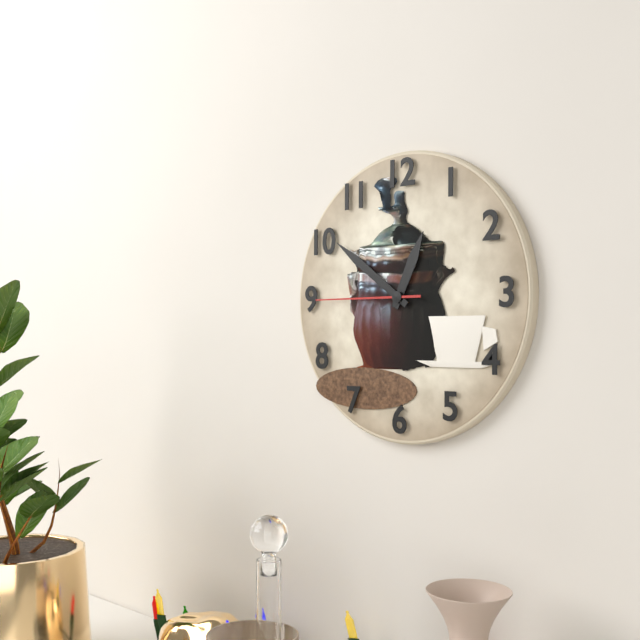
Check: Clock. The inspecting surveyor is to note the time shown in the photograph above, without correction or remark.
12:51:45
